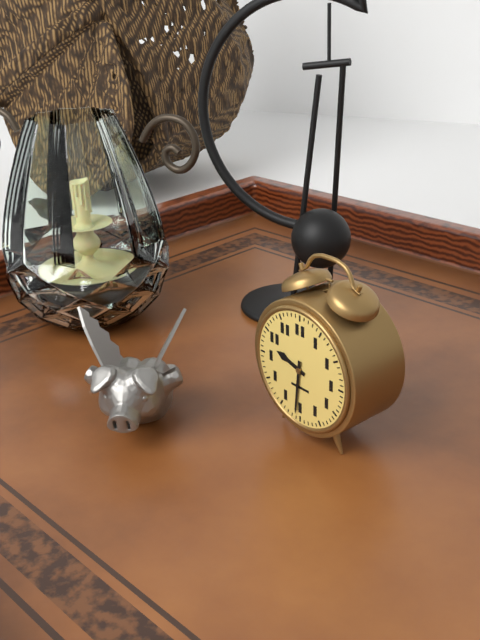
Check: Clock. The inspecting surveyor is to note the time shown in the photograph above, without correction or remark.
9:31
